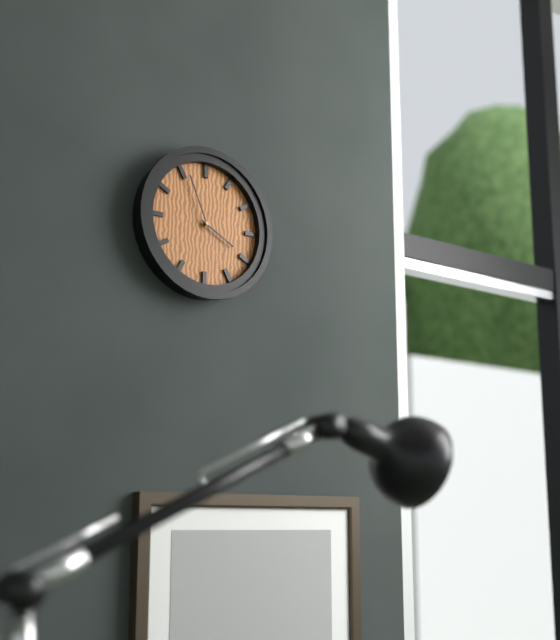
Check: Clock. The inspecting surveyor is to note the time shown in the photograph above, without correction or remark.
3:56
